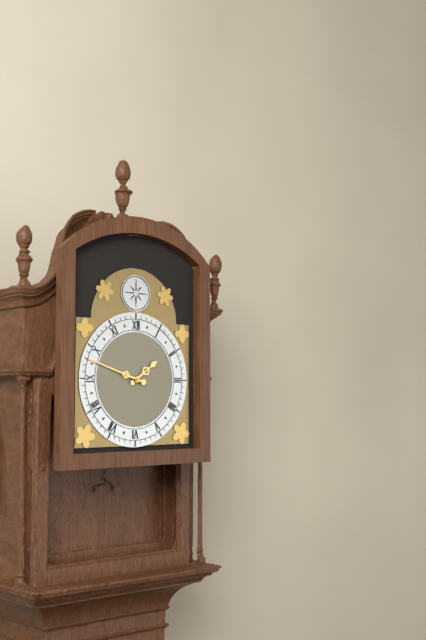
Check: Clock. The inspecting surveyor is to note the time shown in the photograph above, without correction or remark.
1:48
